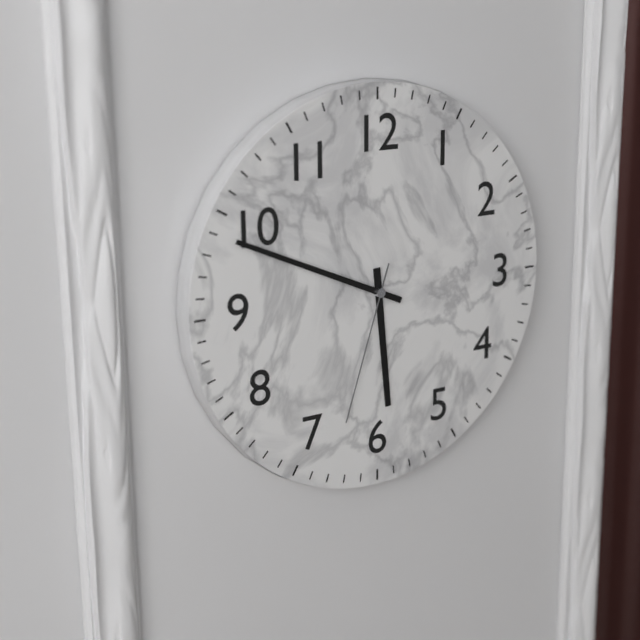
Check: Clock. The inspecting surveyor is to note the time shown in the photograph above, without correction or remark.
5:49:33
